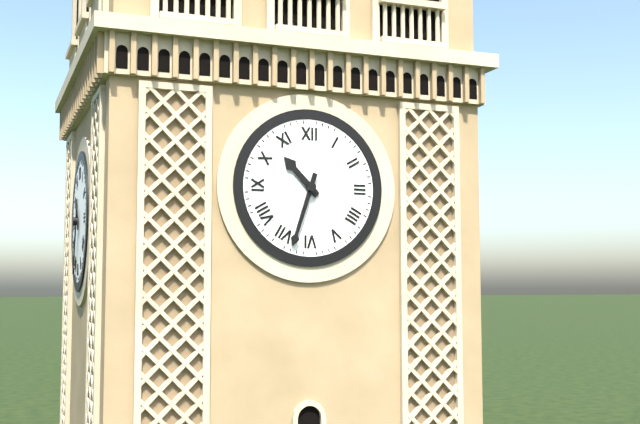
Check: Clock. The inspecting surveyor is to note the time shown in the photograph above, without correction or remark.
10:33
